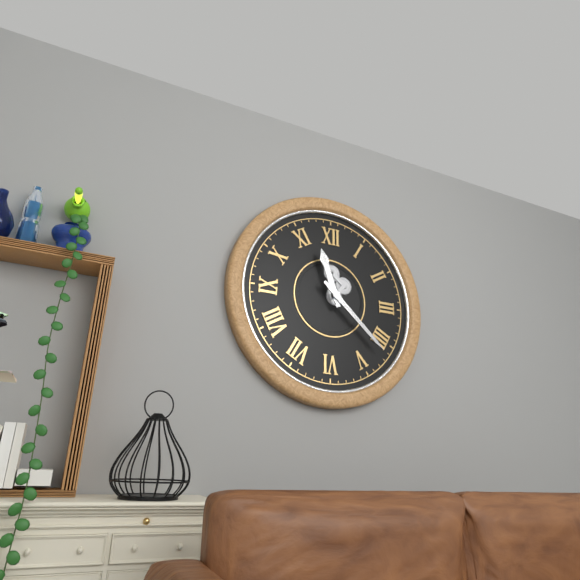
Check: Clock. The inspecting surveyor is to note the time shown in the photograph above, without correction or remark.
11:22
